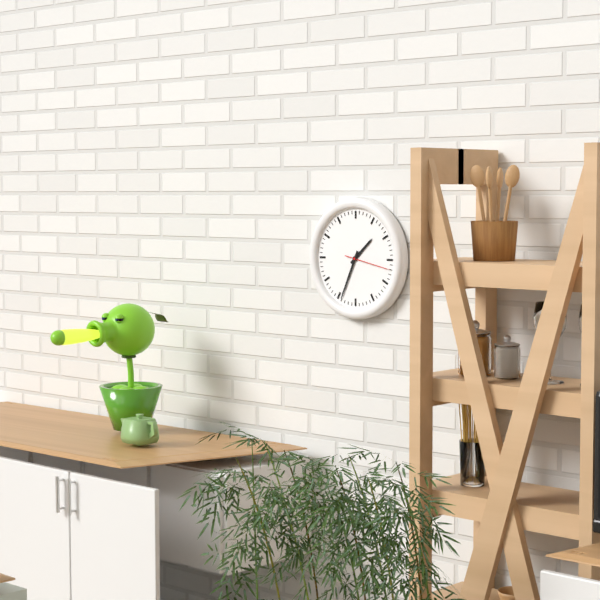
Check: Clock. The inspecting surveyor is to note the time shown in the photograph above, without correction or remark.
1:34
